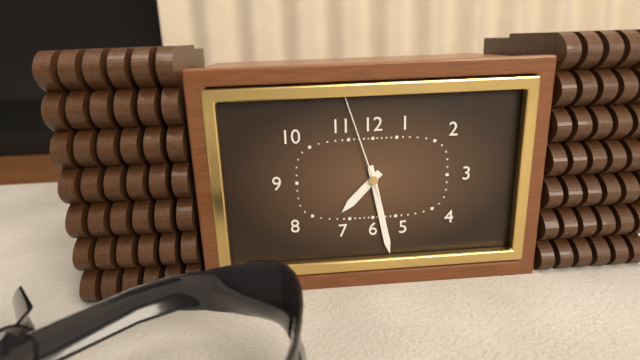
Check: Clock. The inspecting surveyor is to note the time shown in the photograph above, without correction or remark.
7:28:57
